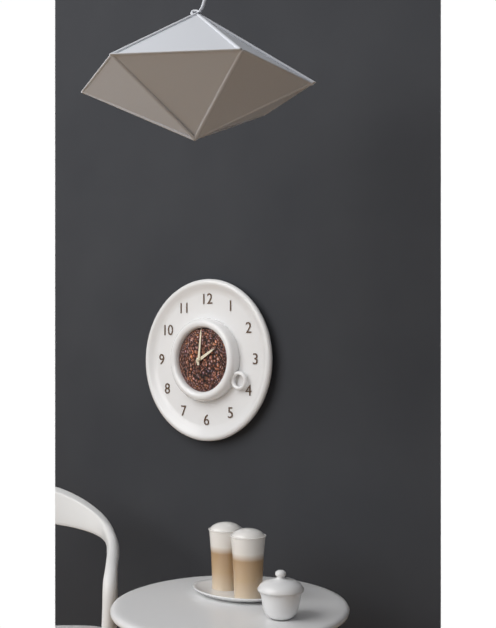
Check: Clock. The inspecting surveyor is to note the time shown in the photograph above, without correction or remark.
2:01
